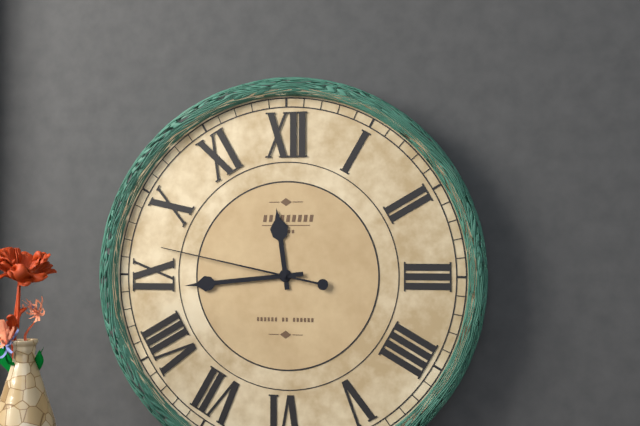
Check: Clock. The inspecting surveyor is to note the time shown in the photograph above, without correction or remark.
11:44:47
